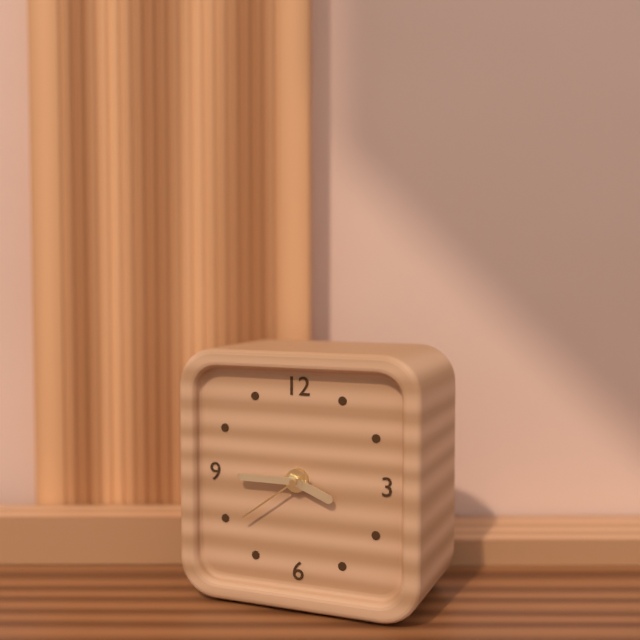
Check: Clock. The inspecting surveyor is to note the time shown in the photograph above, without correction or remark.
3:45:39
